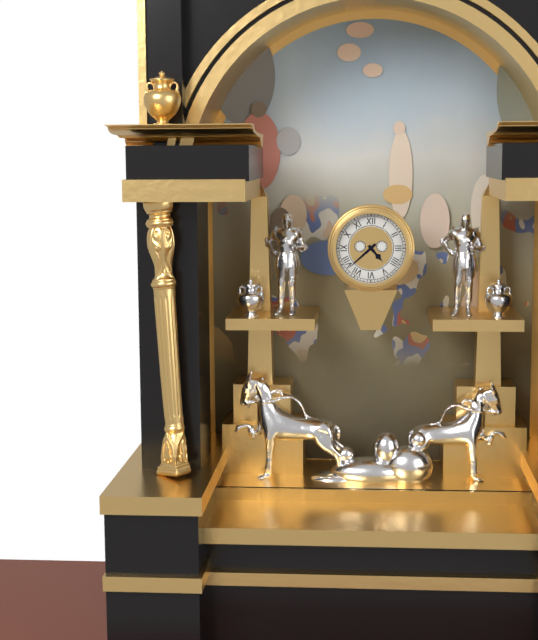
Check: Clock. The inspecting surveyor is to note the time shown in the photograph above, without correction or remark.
4:38
